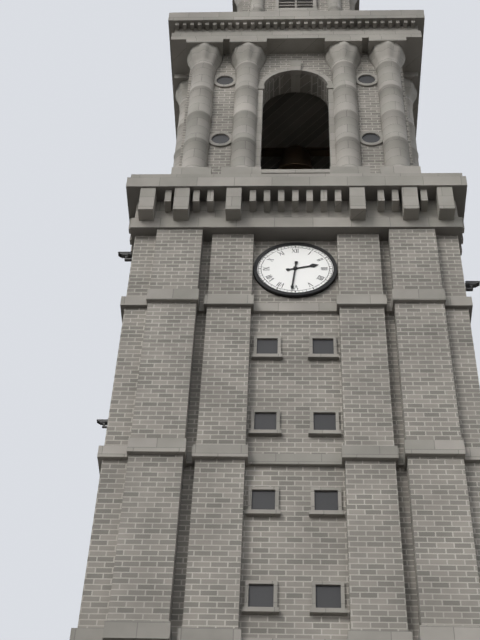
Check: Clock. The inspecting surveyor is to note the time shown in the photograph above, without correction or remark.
2:31
